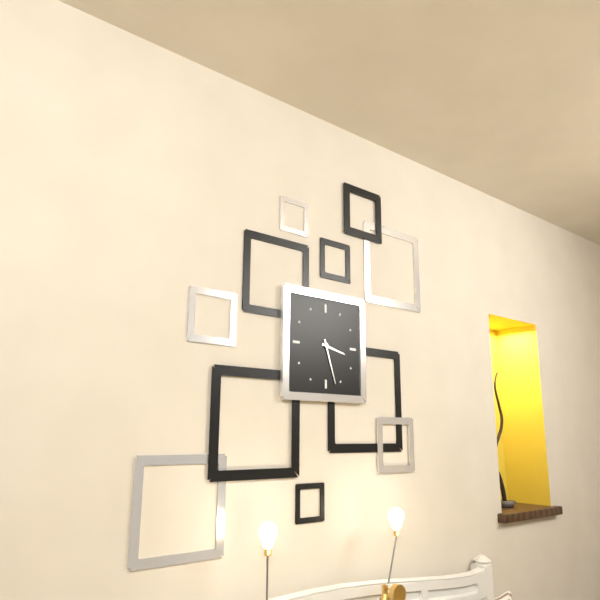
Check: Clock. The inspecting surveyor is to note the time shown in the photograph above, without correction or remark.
3:27
